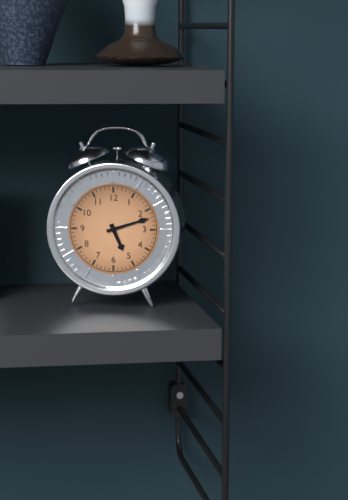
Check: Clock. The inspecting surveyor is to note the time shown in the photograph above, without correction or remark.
5:12
